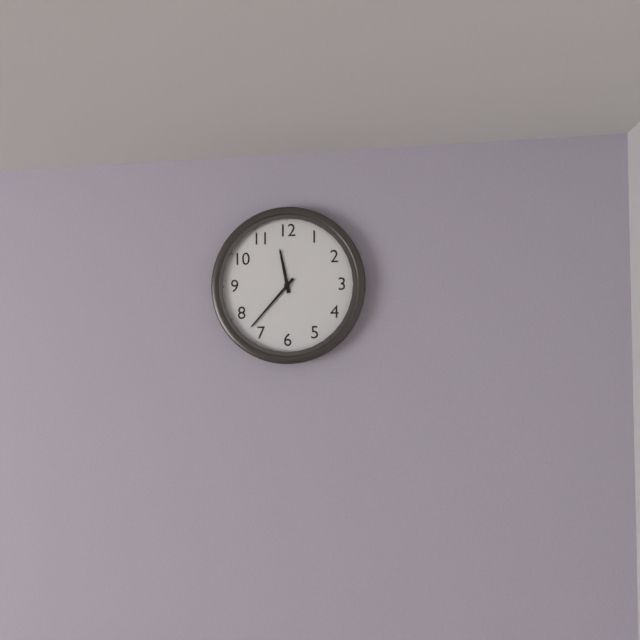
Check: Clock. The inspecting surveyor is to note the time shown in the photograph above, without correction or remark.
11:37
